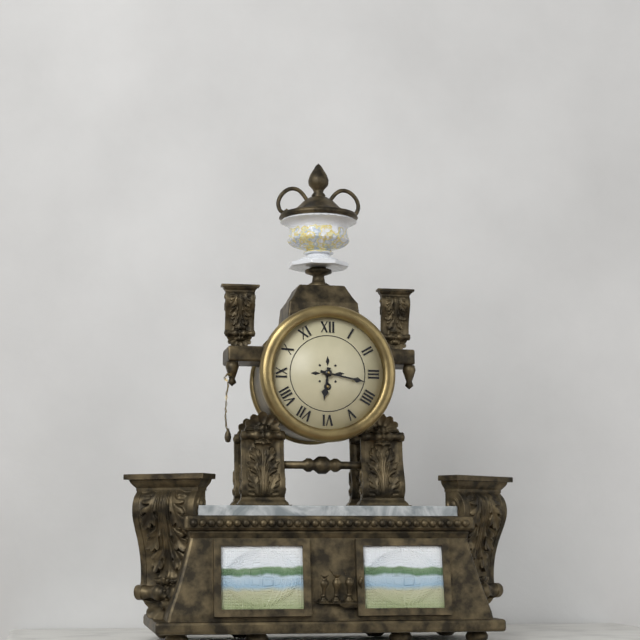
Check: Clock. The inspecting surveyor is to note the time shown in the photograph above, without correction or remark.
6:17
